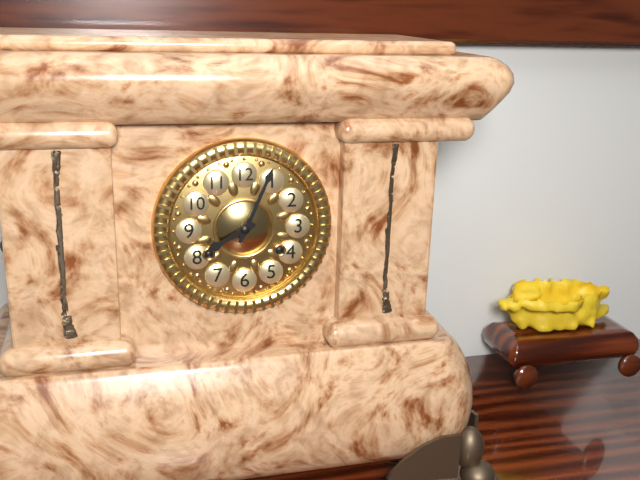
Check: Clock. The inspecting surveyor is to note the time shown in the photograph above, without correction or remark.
8:04
